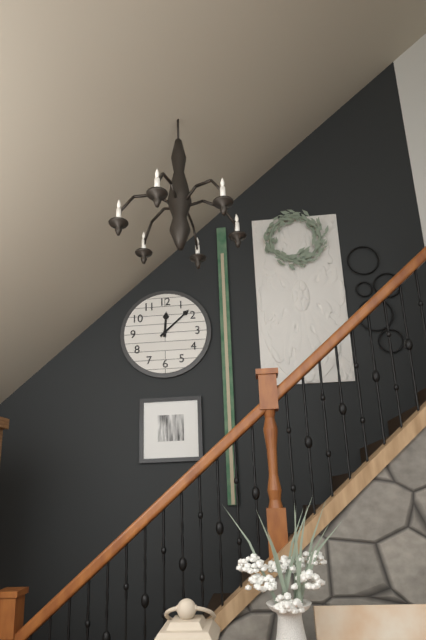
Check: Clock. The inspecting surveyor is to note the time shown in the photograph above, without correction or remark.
12:08
